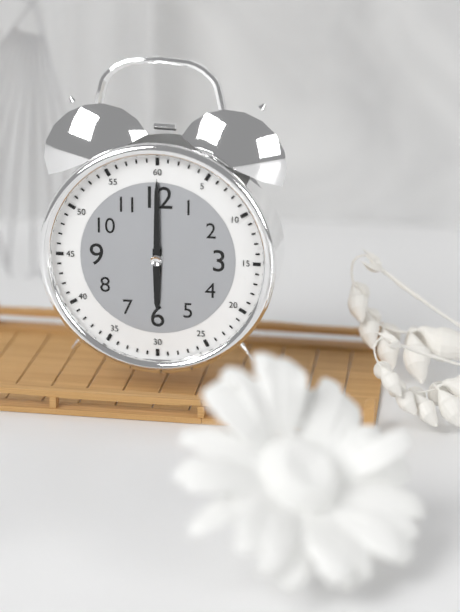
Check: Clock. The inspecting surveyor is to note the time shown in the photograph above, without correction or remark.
6:00
